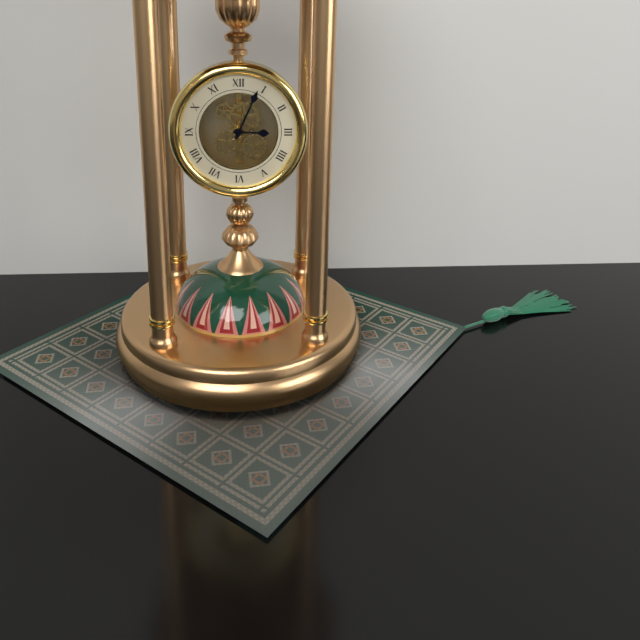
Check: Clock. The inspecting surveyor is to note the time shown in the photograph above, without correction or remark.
3:04
